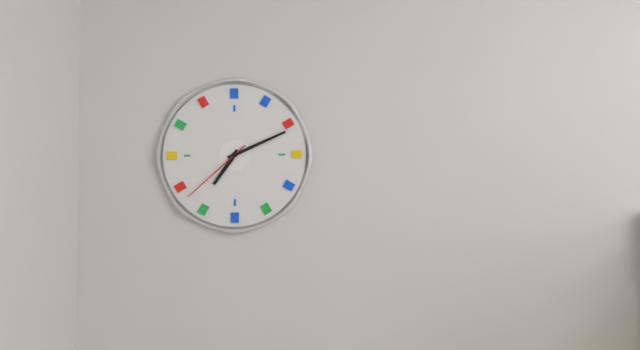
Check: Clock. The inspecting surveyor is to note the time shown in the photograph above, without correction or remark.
7:11:38
